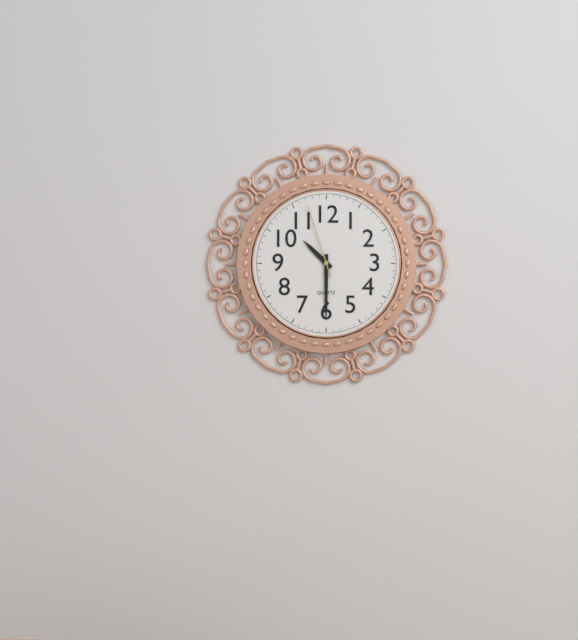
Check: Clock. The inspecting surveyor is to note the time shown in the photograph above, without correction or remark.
10:30:57
